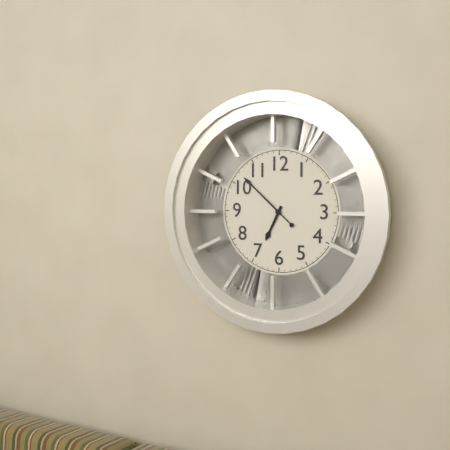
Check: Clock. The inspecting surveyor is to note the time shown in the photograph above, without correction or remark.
6:52
